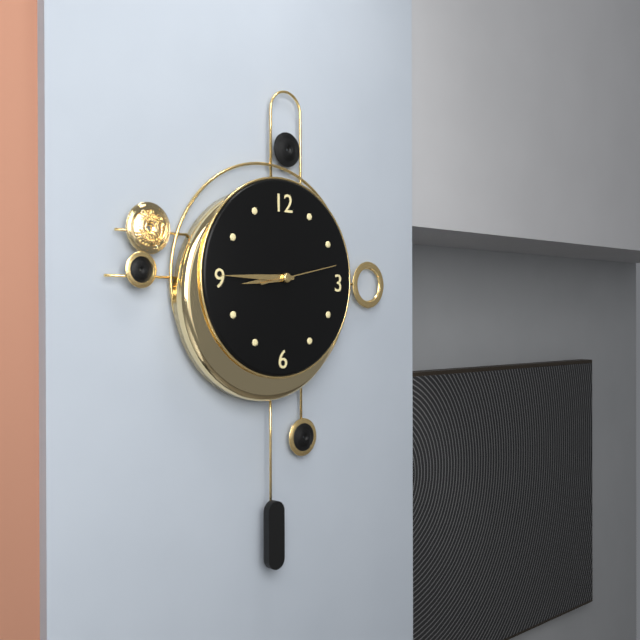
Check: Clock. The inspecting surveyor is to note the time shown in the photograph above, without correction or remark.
8:45:13
